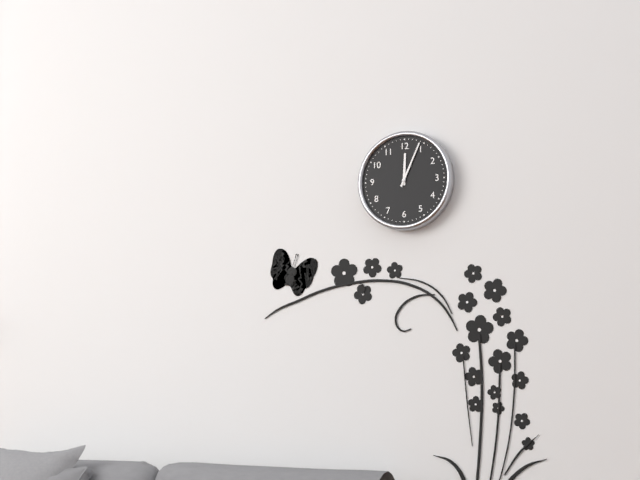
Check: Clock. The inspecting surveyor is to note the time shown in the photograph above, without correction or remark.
12:04
